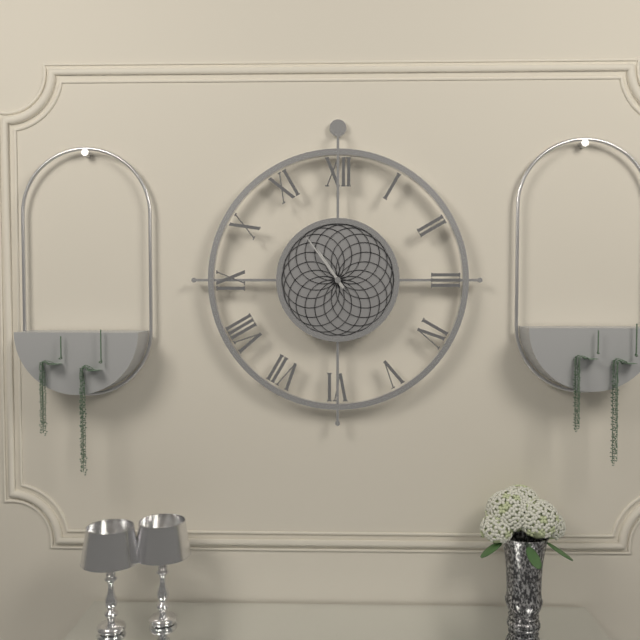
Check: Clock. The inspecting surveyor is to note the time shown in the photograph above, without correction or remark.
10:54
